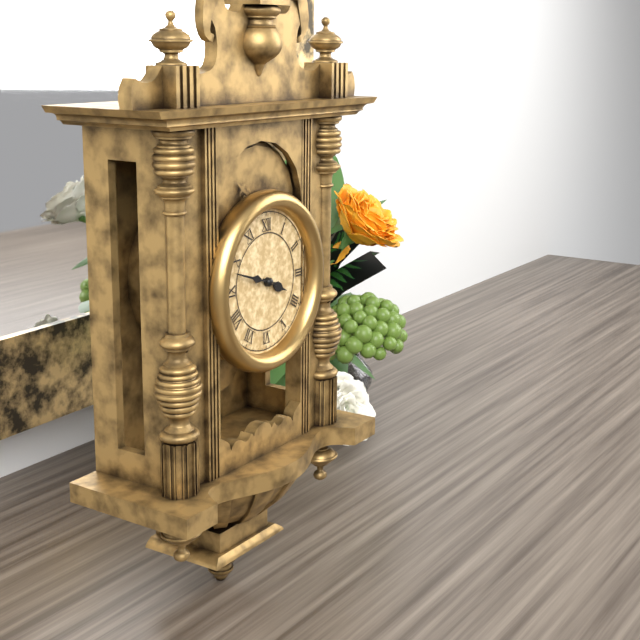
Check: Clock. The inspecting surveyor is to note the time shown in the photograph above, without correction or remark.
3:48
